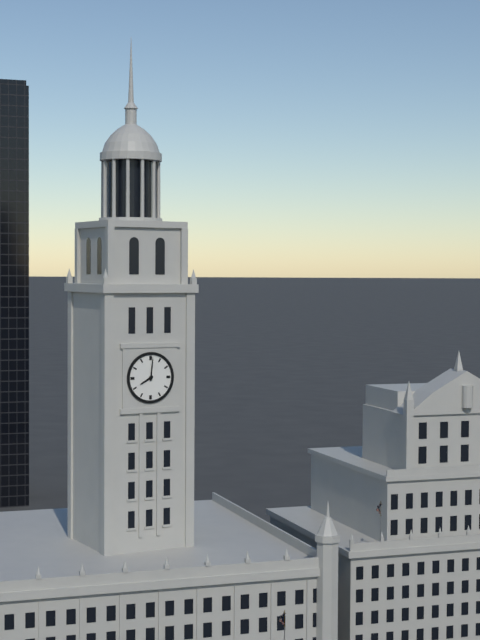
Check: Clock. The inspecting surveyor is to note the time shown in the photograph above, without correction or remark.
8:01
